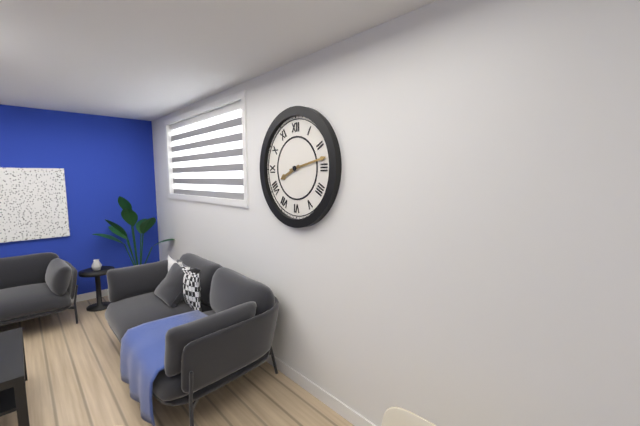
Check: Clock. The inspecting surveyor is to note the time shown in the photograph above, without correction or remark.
8:13
